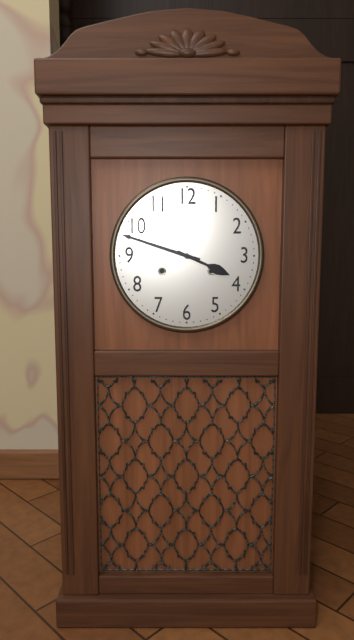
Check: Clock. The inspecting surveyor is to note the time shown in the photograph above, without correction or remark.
3:48
